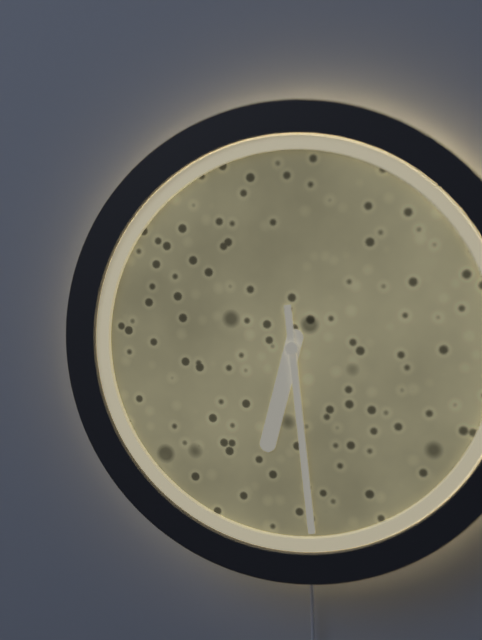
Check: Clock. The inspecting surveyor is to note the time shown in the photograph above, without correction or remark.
6:29
